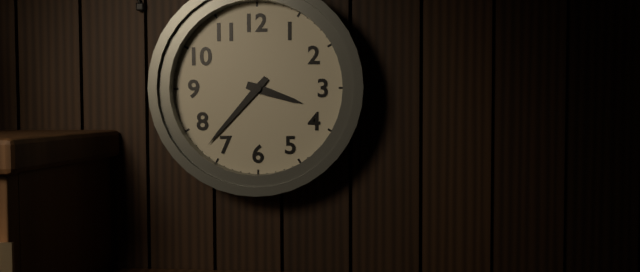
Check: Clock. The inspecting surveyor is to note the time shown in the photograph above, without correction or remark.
3:37
